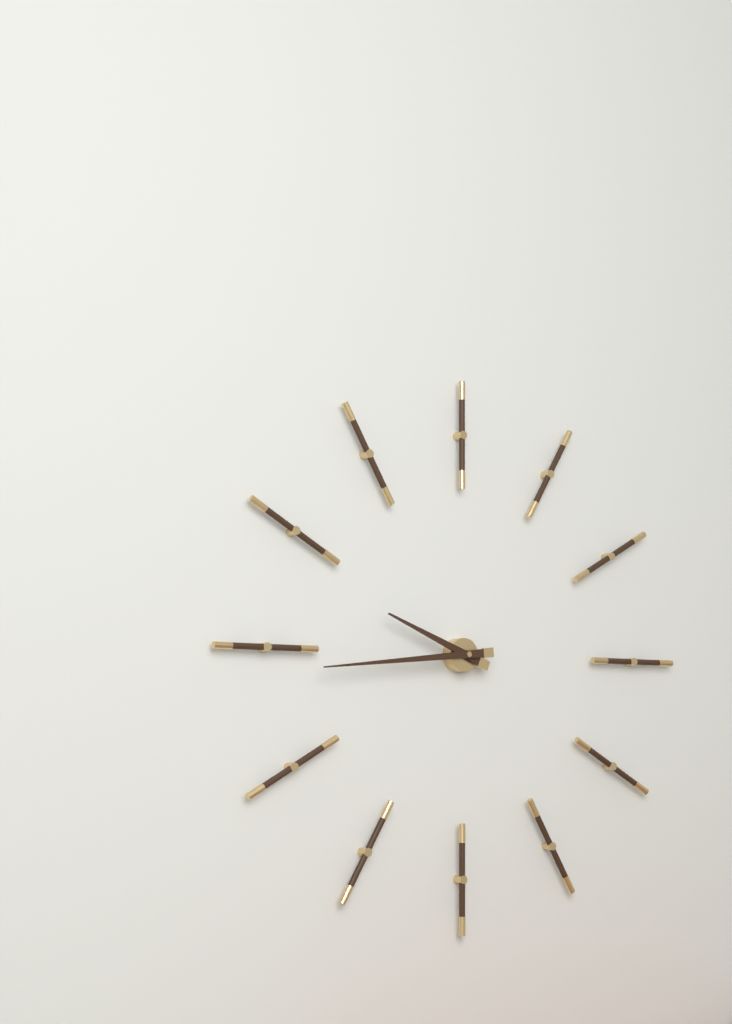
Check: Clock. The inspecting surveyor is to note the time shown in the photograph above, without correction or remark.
9:44
